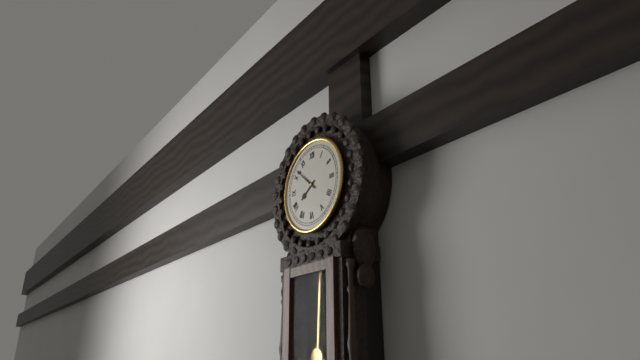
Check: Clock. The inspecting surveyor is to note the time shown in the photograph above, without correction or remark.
7:52
